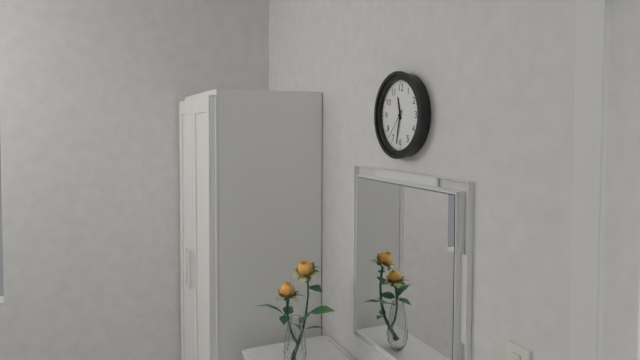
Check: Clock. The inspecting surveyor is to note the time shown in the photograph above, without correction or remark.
11:32
